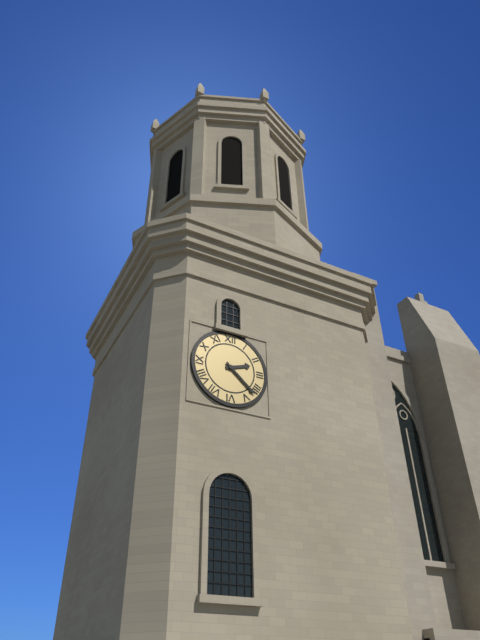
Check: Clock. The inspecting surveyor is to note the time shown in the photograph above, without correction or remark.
2:22
